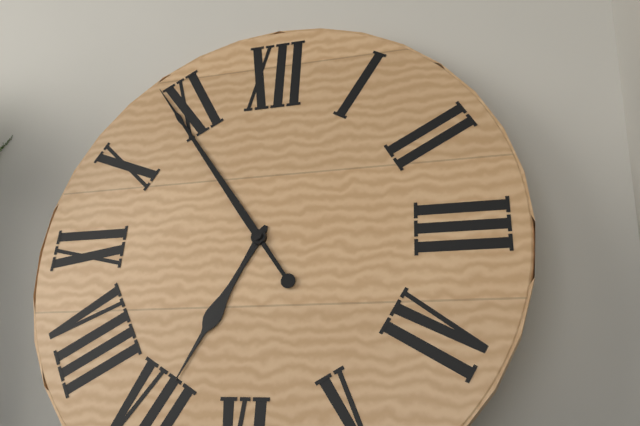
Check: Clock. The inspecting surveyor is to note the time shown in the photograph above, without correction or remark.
6:54
